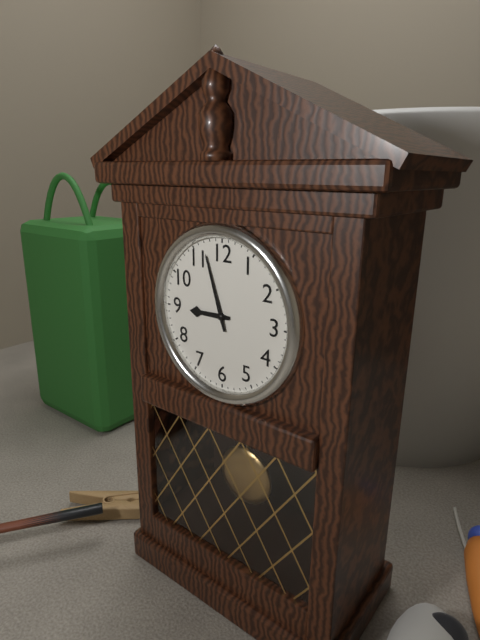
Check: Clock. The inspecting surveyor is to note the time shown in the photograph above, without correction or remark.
8:57
